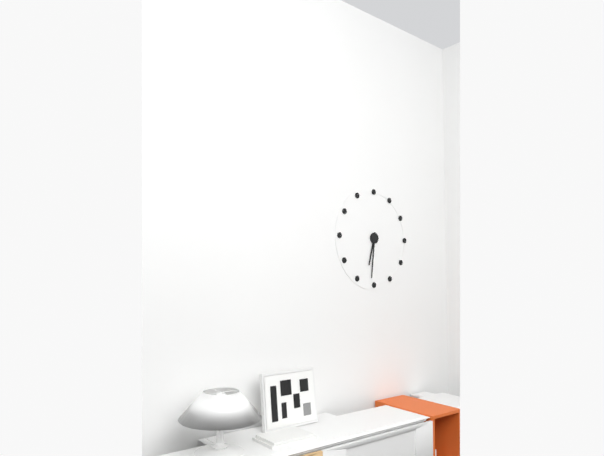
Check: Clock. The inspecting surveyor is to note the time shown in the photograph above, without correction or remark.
6:31
